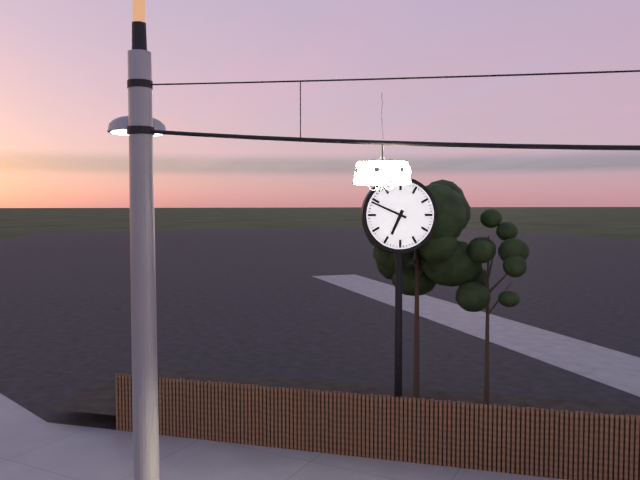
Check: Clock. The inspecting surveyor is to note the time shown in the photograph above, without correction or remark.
6:49
